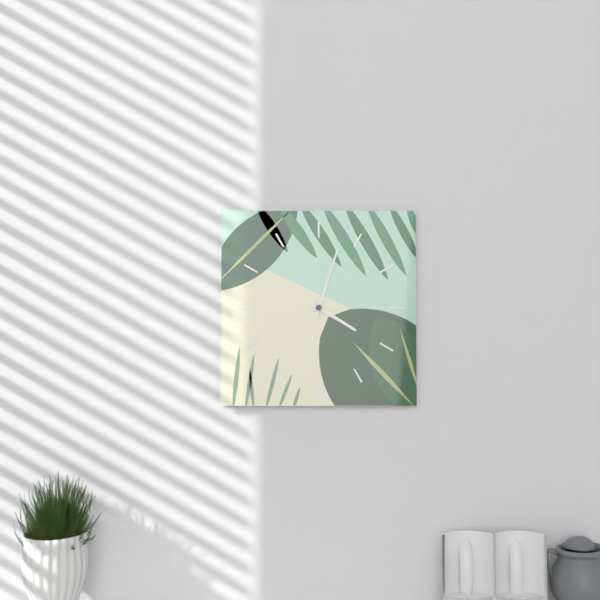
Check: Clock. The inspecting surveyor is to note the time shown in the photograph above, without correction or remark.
4:03
